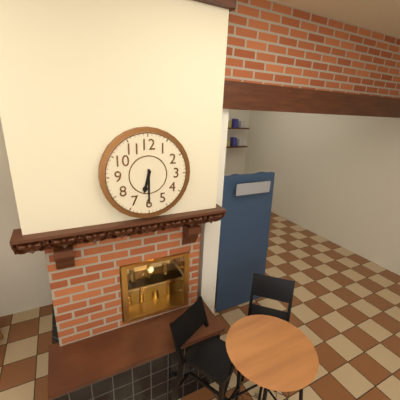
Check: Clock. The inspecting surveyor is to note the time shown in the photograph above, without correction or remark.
6:30
